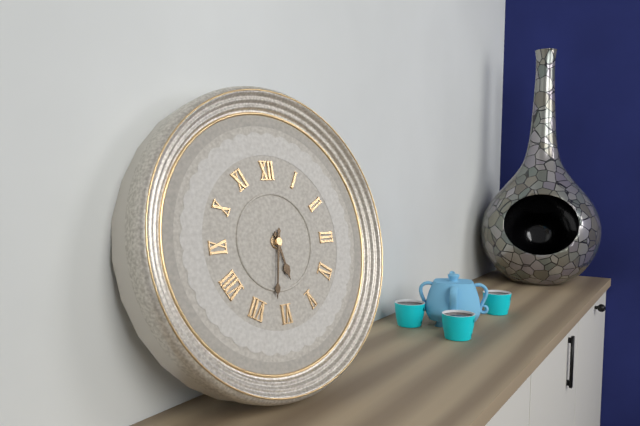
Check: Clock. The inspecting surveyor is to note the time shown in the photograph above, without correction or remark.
5:32
